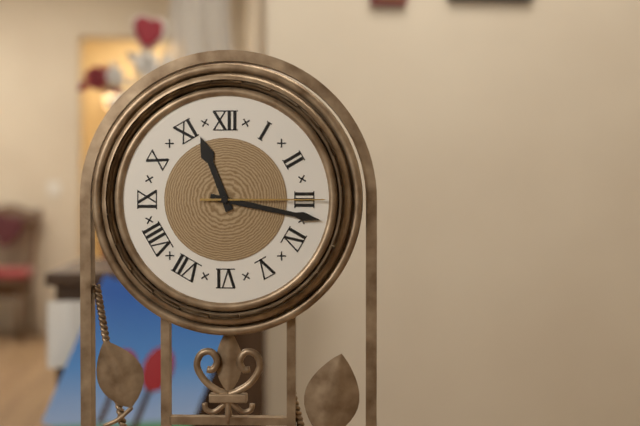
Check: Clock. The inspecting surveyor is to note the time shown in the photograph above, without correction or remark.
11:17:15
